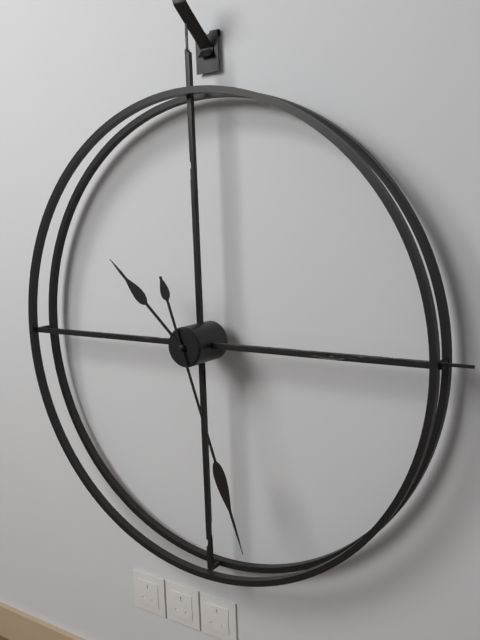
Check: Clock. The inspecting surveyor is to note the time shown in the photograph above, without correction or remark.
10:27
